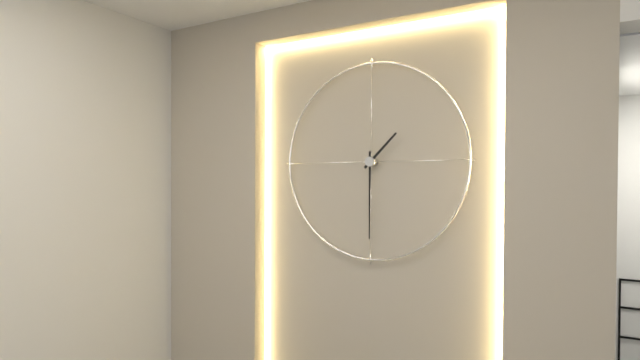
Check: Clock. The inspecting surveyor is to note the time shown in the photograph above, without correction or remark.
1:30
